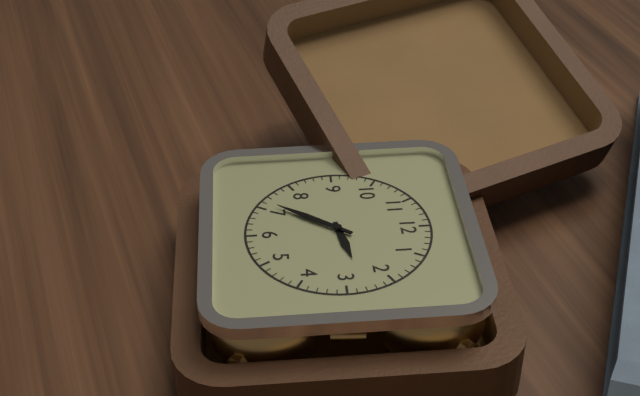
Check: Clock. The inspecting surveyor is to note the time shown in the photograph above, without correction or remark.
2:36
